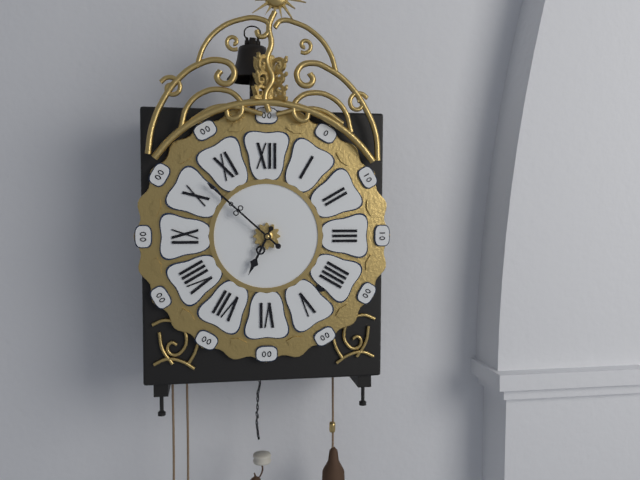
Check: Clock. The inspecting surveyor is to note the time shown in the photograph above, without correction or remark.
6:52
